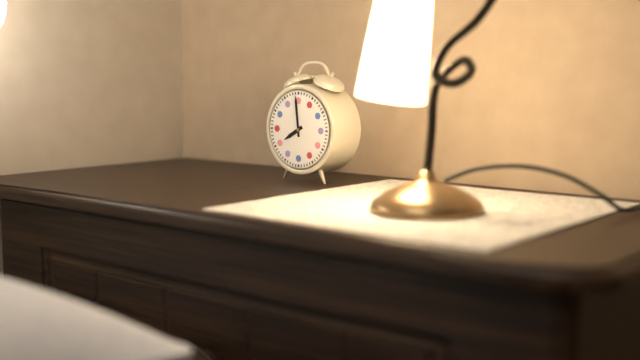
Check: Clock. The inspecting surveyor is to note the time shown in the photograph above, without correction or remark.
7:59
